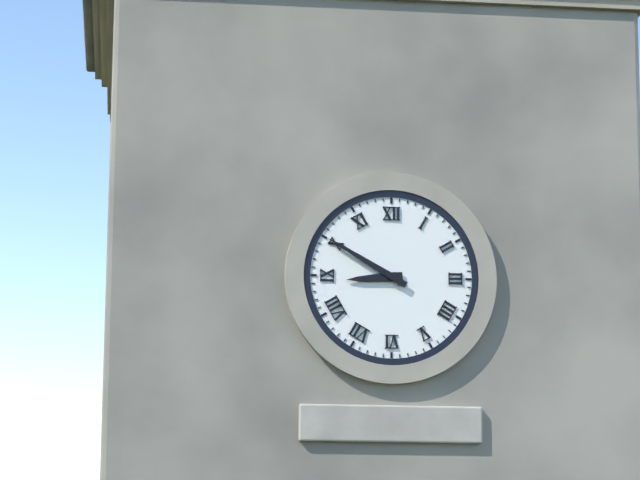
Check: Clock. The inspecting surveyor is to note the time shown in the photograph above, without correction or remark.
8:50
